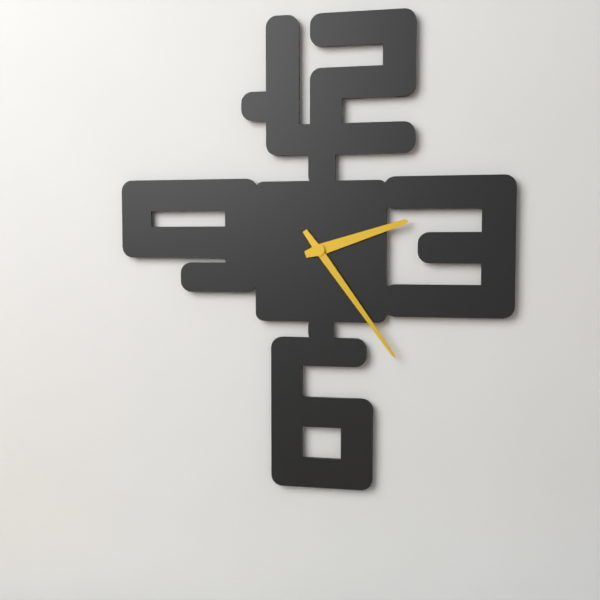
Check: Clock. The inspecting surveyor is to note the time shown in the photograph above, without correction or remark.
2:24
